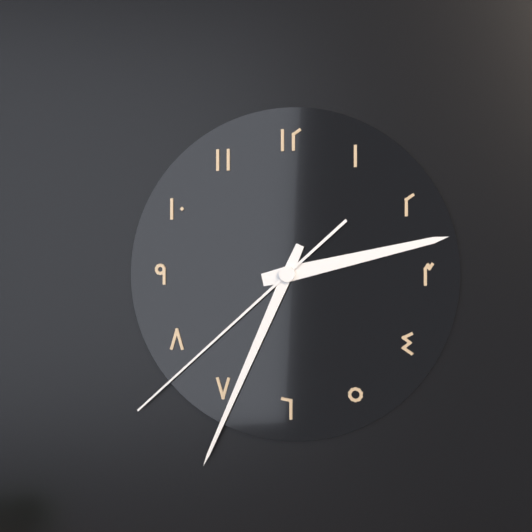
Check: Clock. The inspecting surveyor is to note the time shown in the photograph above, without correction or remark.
2:34:38
